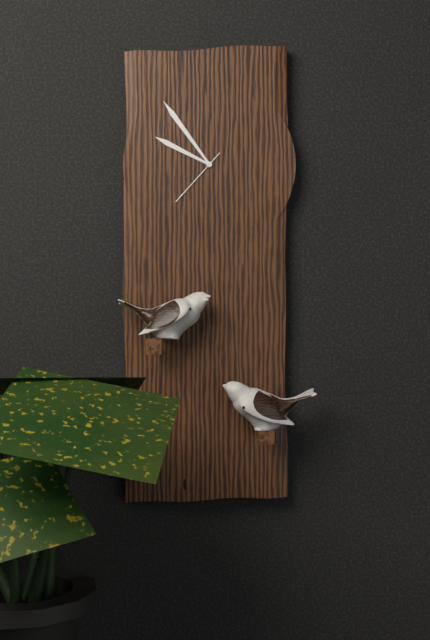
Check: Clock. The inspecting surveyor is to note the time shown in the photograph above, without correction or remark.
9:54:37
